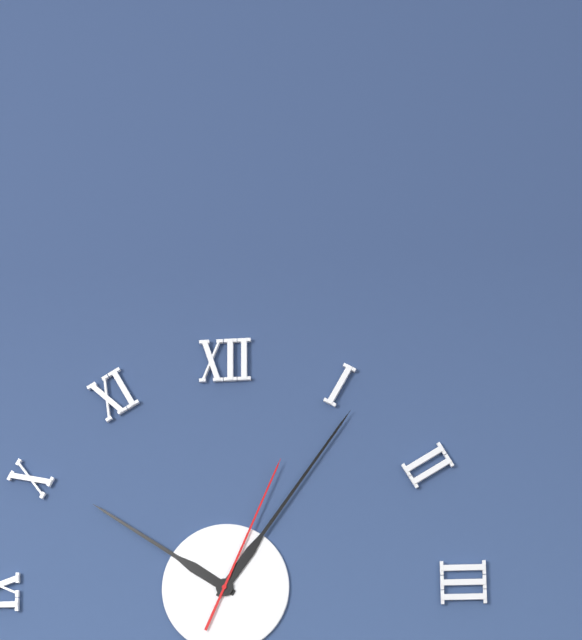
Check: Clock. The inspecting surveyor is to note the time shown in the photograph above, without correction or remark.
10:06:04
